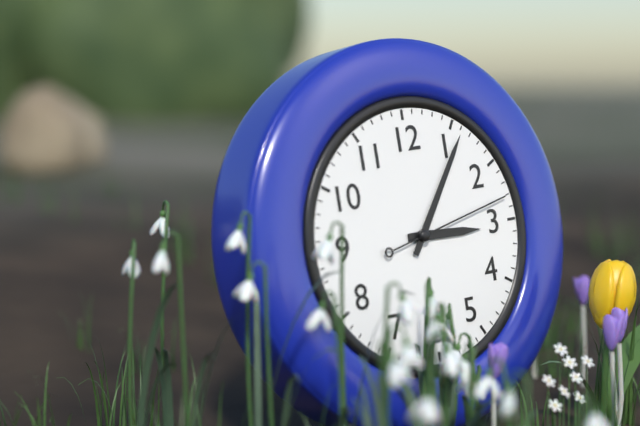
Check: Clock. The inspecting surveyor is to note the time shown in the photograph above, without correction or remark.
3:06:13
